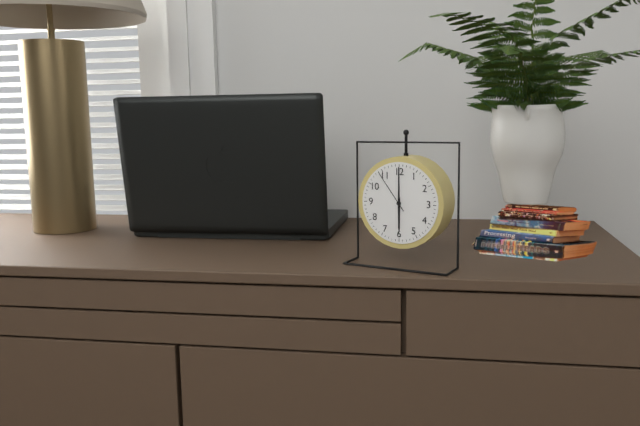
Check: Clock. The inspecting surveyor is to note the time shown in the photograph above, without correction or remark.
6:00:54
